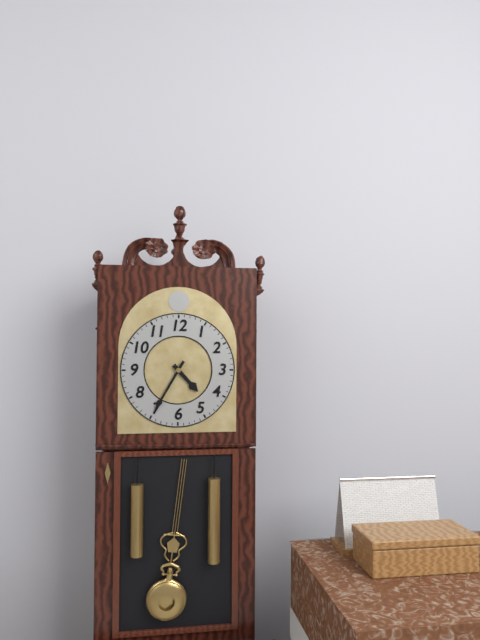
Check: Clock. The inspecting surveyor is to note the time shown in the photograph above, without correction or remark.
4:35
